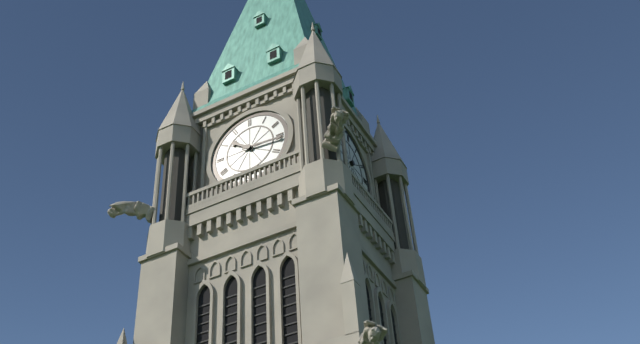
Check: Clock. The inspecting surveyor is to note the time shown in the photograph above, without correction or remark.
10:16
